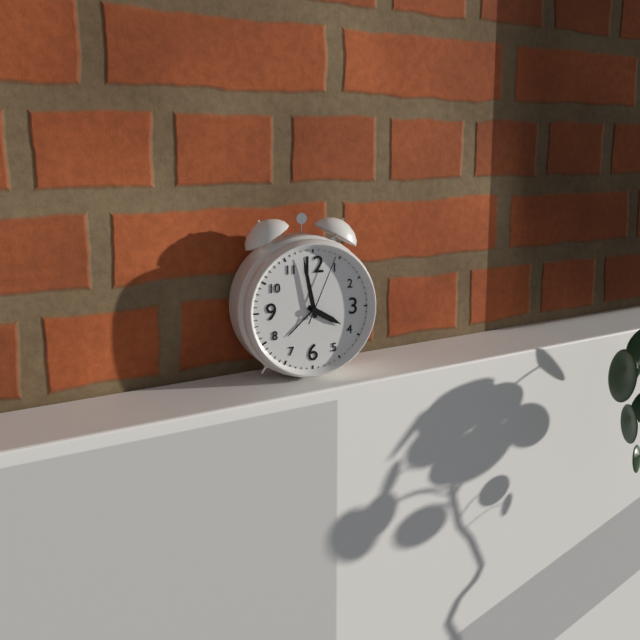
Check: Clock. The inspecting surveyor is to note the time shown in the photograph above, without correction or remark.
3:58:04
